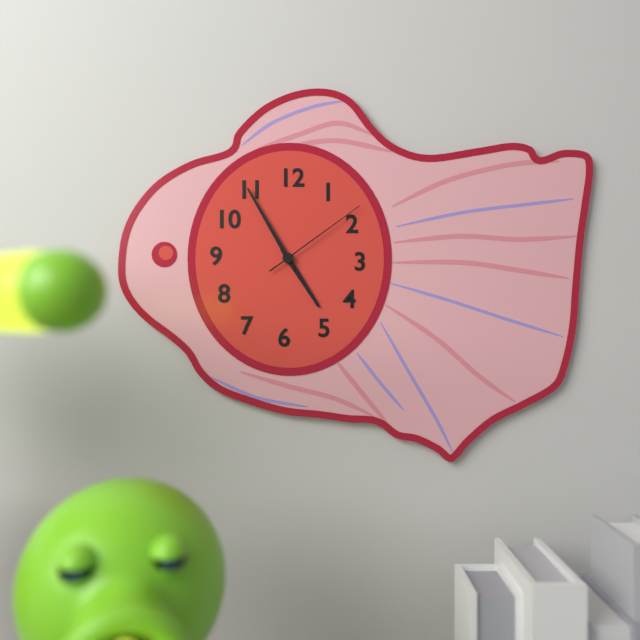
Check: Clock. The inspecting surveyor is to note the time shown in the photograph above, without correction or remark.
4:55:09
